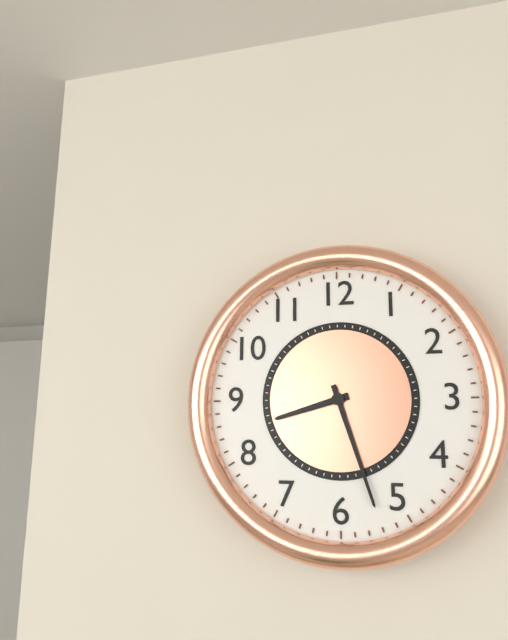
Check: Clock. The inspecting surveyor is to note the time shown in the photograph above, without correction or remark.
8:27
